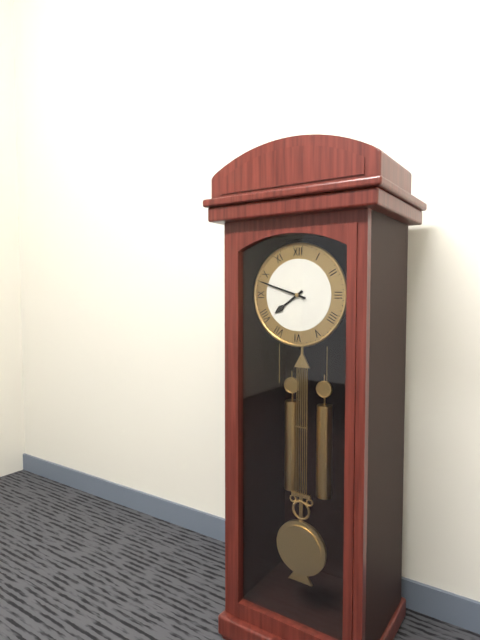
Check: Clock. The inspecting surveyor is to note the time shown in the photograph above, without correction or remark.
7:48
